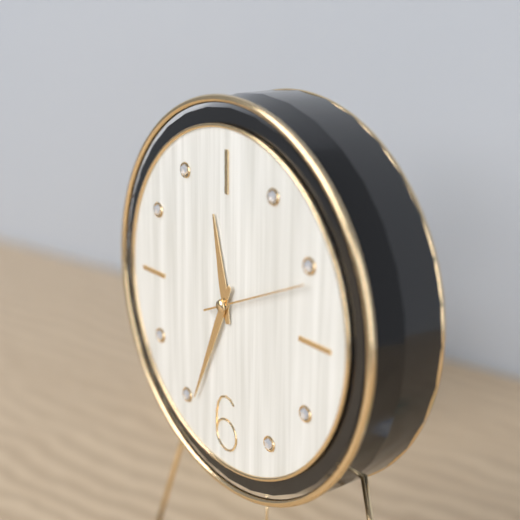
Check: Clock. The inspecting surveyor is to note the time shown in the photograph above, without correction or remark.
11:34:11
